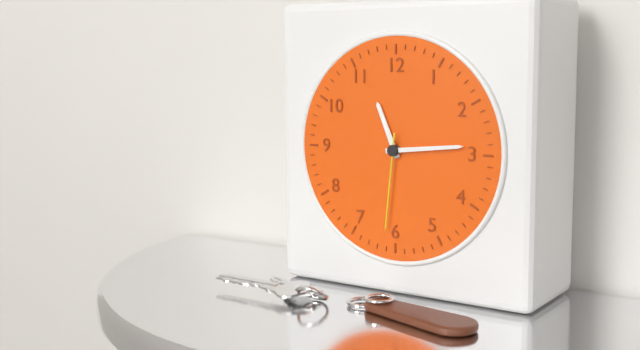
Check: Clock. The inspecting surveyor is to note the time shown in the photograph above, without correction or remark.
11:14:31
